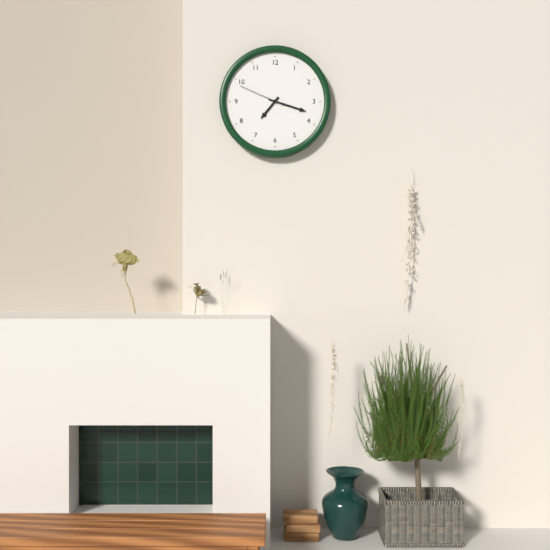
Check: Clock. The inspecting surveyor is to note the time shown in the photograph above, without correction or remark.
7:18
